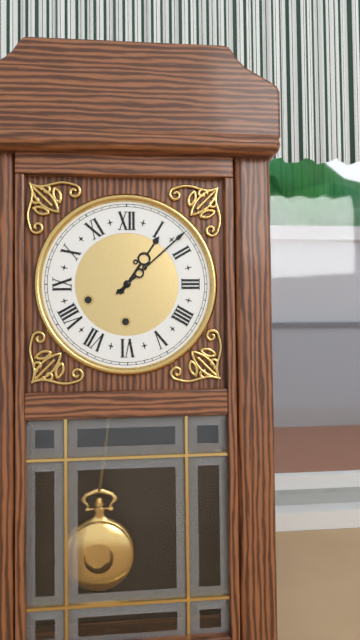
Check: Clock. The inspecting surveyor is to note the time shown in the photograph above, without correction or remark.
1:08
